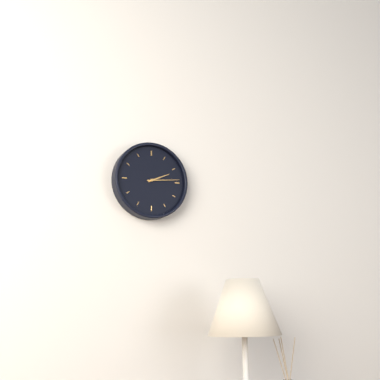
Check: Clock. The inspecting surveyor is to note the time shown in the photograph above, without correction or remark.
2:14
